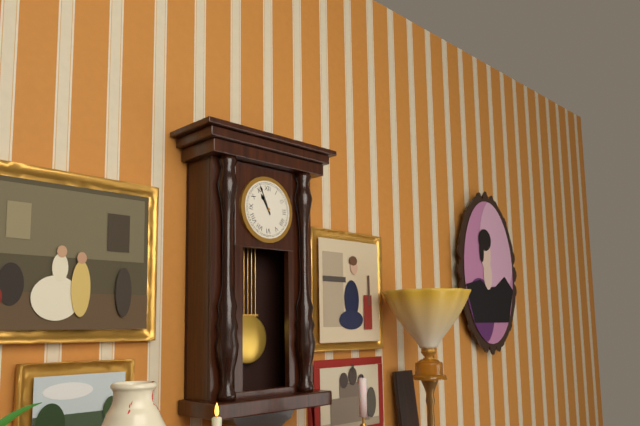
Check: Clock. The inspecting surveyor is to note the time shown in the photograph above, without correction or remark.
10:56
